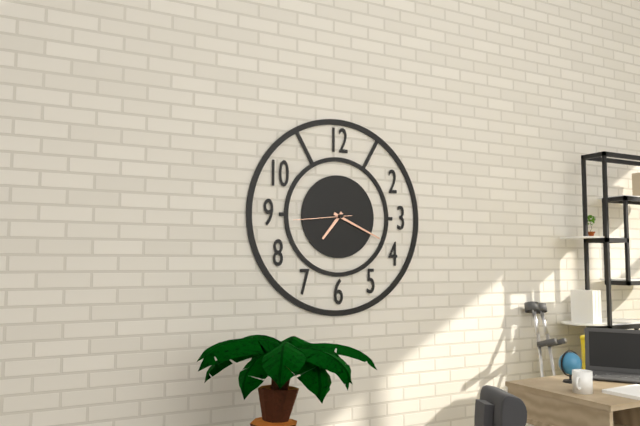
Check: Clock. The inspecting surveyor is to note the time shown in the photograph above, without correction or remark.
7:19:44
